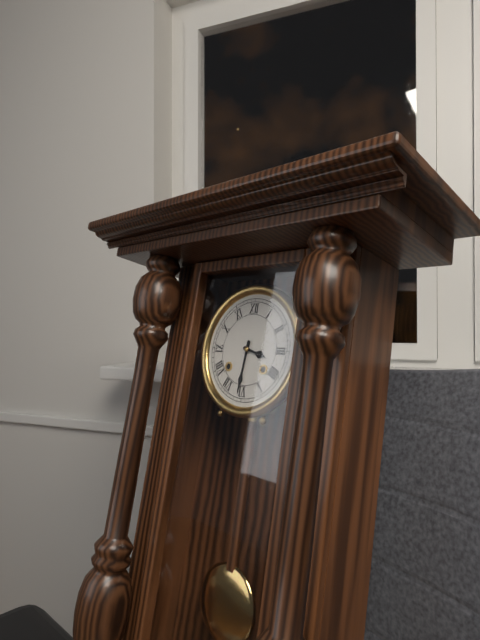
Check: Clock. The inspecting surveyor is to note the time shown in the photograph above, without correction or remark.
3:31
